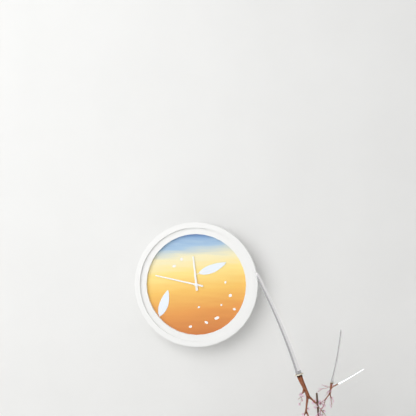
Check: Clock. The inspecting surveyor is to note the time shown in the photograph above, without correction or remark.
11:47
